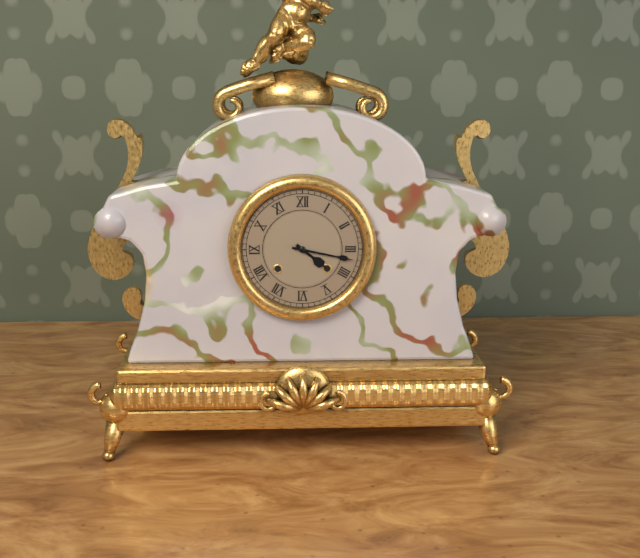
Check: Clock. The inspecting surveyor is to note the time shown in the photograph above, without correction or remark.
4:17
